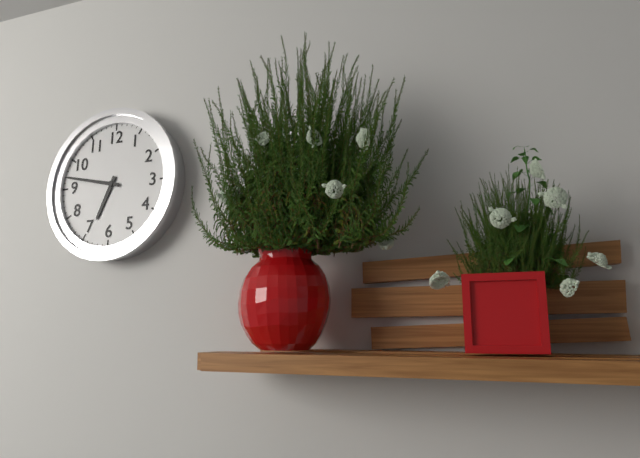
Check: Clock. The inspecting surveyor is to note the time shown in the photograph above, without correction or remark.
6:47
